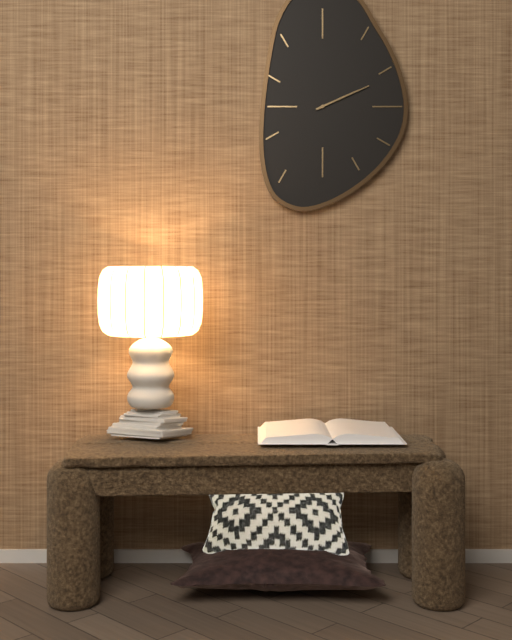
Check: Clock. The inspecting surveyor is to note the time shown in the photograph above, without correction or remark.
2:11
